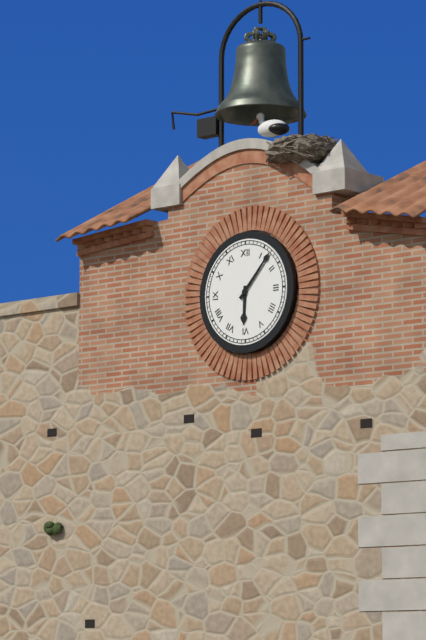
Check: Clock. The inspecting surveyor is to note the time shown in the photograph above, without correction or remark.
6:07
